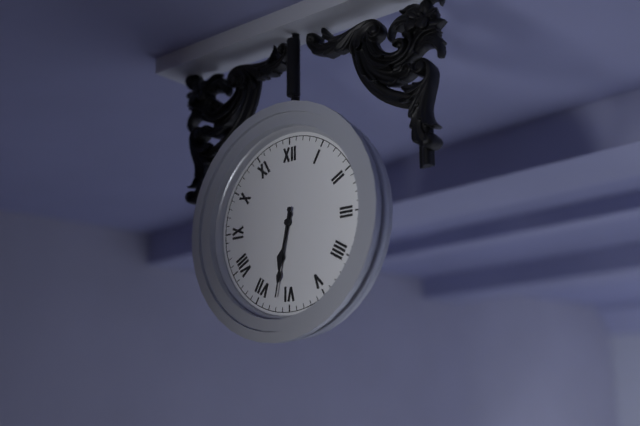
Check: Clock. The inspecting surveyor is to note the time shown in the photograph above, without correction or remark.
6:32
